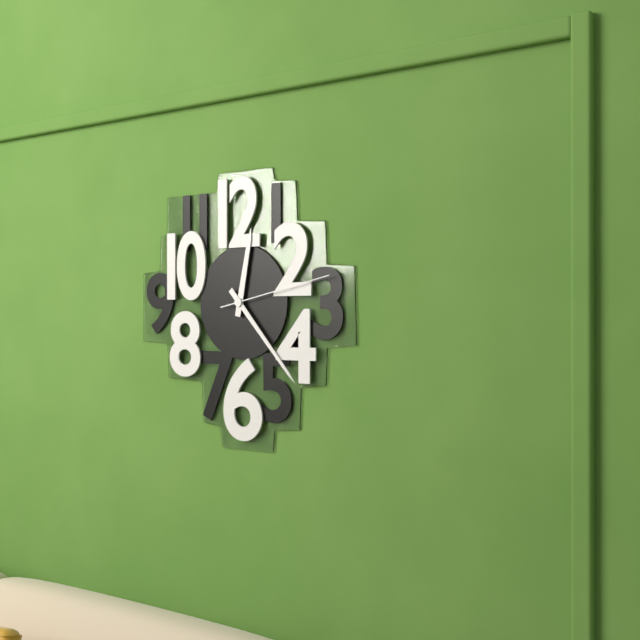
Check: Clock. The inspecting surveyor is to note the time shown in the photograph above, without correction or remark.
12:23:13
